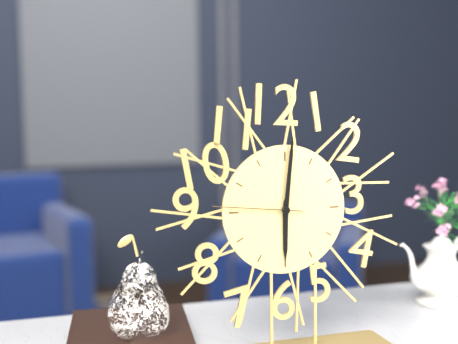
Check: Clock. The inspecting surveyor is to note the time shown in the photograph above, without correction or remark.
6:01:46
